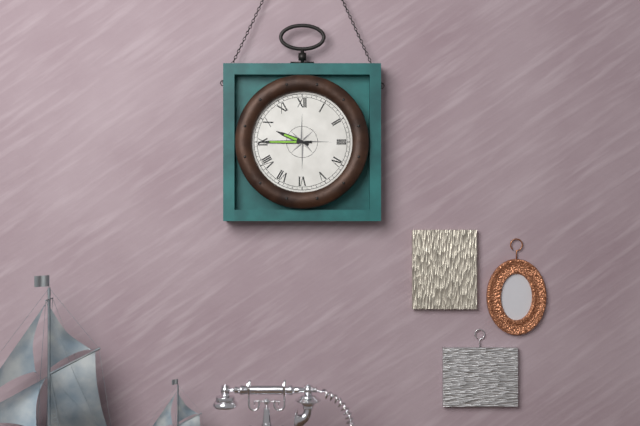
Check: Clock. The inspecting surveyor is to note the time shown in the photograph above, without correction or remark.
9:45
